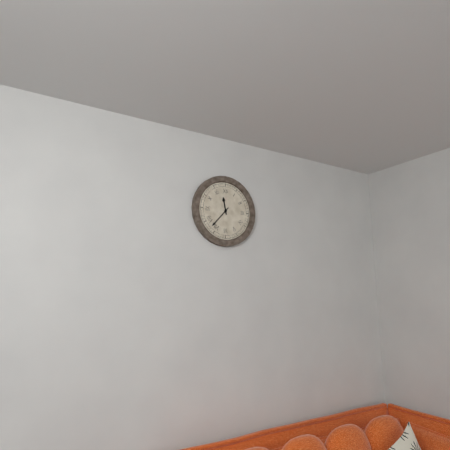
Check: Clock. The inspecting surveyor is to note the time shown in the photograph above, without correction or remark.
11:37
